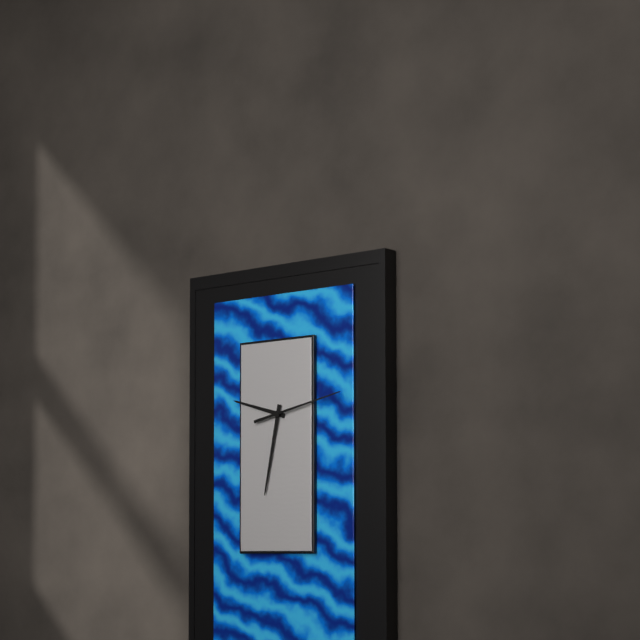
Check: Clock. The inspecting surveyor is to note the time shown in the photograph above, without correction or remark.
9:32:13
